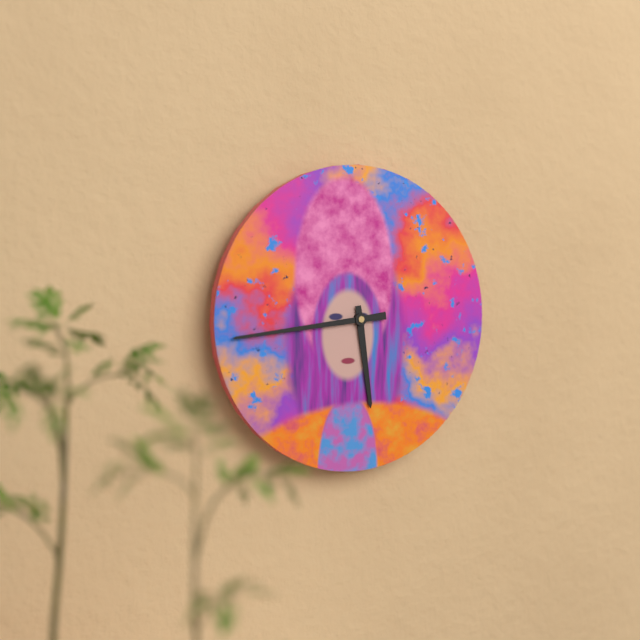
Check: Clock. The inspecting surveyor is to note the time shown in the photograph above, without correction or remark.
5:44
